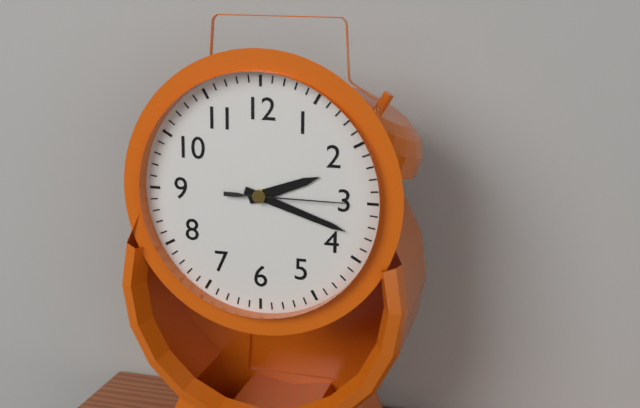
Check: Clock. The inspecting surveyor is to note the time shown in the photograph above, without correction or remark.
2:18:15
